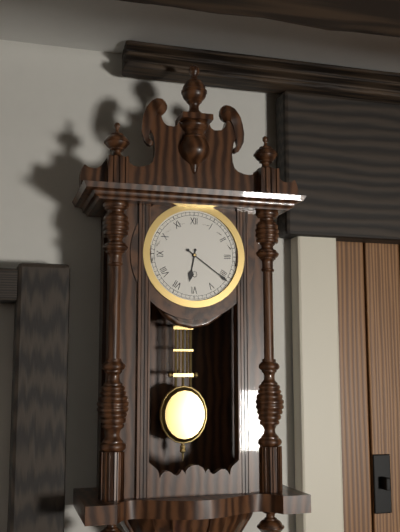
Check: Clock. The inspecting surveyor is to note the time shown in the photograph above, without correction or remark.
6:21
